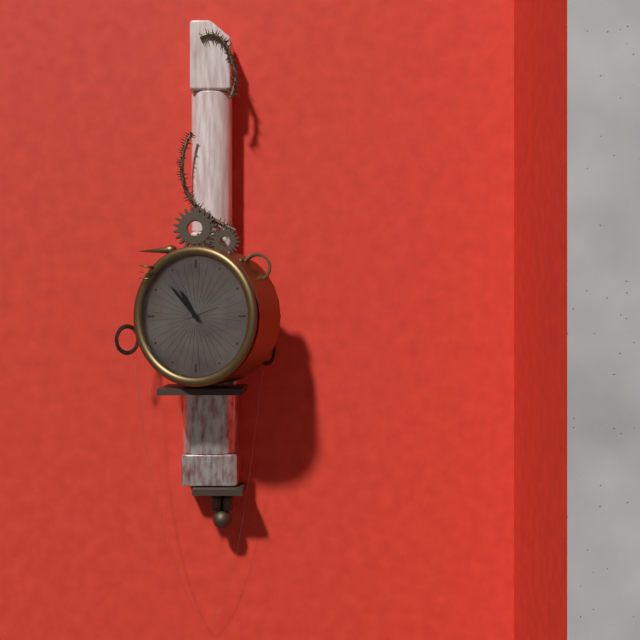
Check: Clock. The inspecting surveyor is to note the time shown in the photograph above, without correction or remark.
10:53
